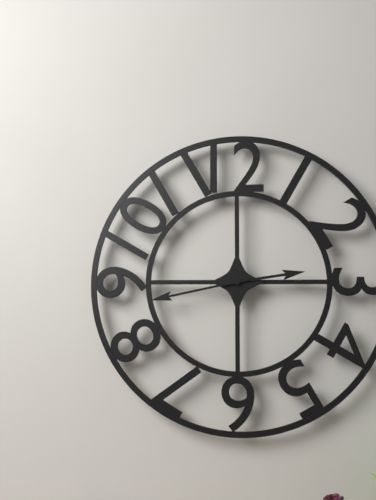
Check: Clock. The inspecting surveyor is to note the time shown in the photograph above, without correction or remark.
2:43
